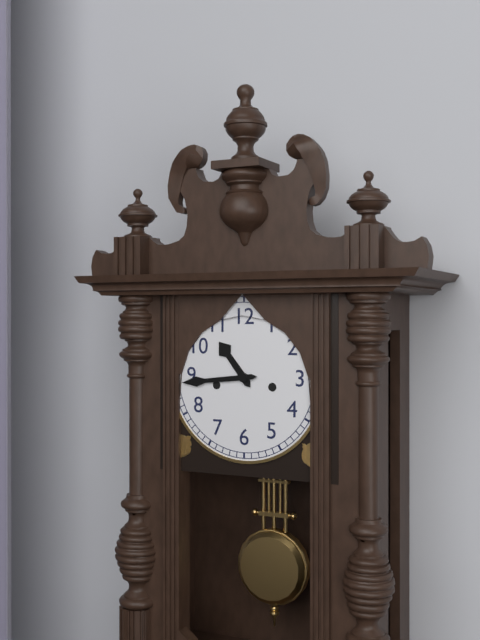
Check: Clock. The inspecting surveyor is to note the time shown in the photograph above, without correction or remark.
10:44
